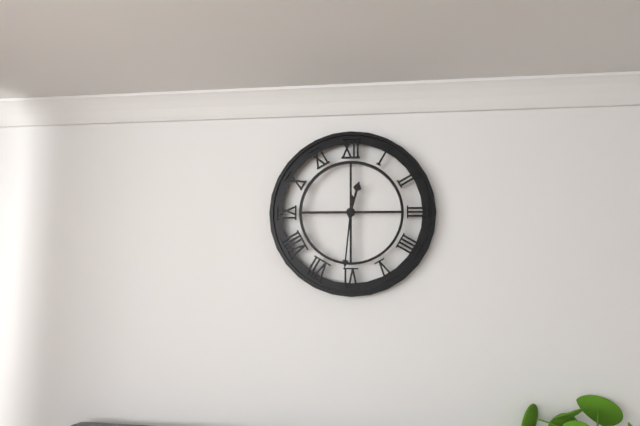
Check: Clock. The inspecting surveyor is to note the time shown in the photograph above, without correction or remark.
12:31
